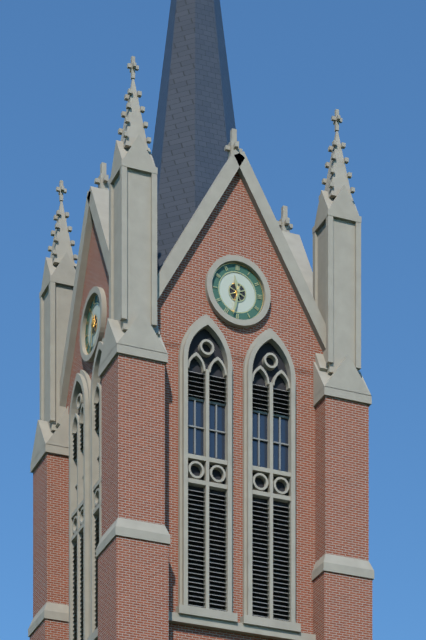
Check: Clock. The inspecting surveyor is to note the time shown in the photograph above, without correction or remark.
11:32
